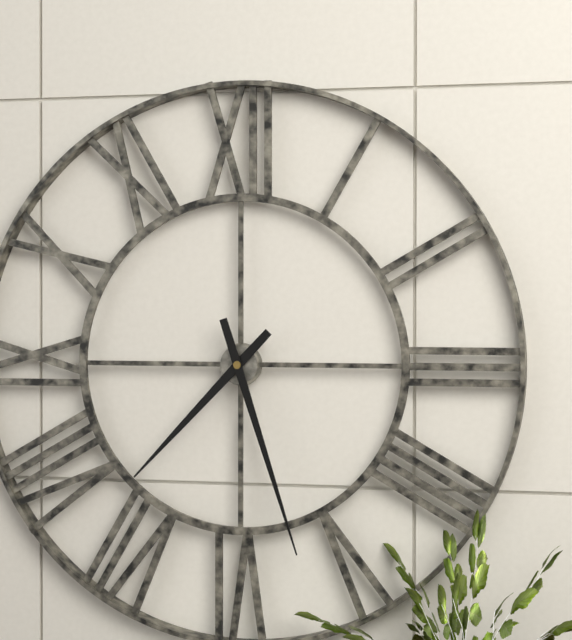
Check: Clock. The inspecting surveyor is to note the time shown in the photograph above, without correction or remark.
7:27
